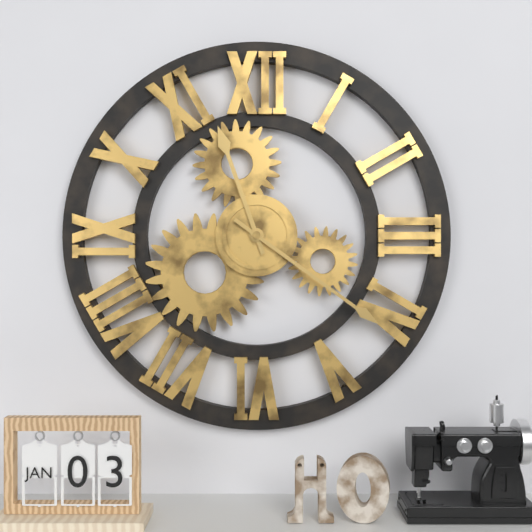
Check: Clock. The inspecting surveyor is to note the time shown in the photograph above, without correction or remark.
11:21
